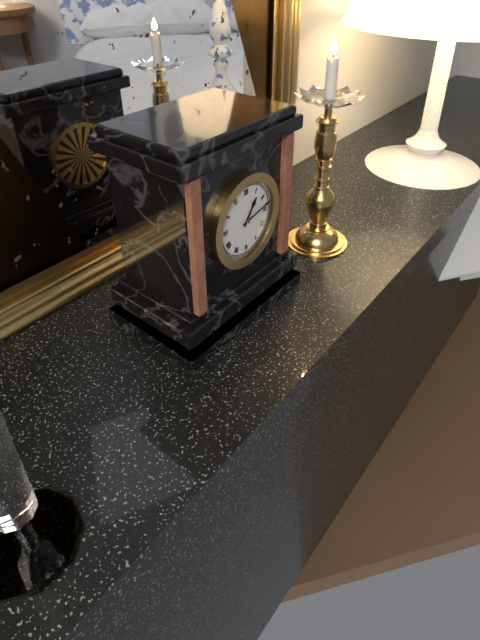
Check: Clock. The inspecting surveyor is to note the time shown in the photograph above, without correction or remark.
1:13
